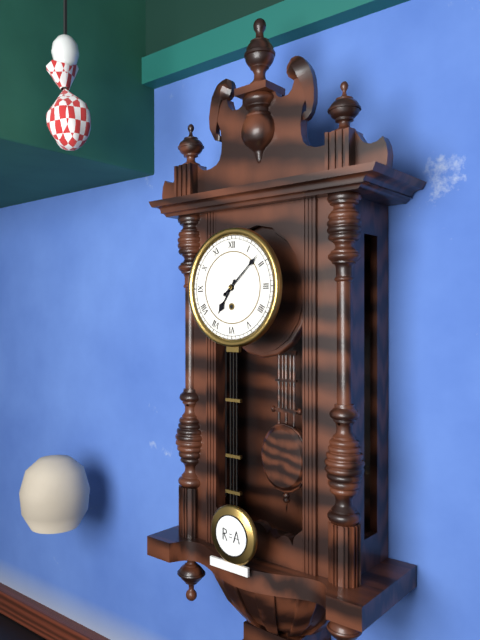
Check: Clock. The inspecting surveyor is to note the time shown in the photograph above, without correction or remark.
7:08
